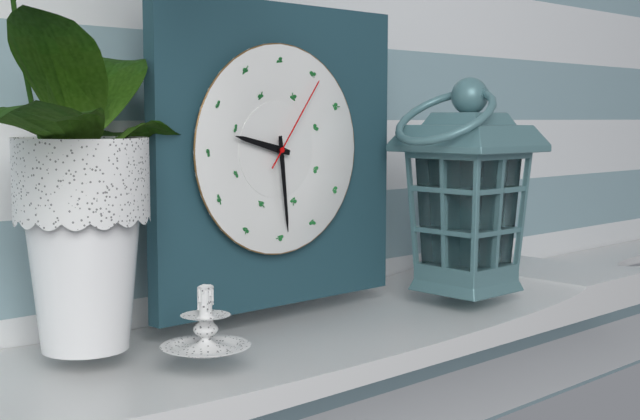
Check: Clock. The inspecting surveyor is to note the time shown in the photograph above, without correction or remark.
9:29:06
